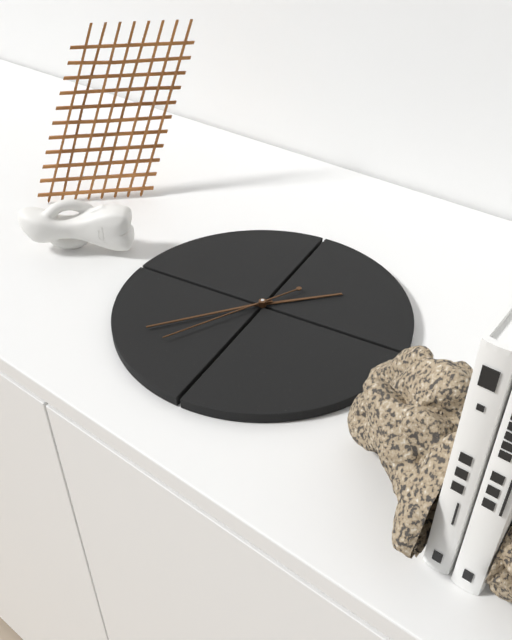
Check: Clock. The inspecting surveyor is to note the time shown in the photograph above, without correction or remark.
1:37:35
